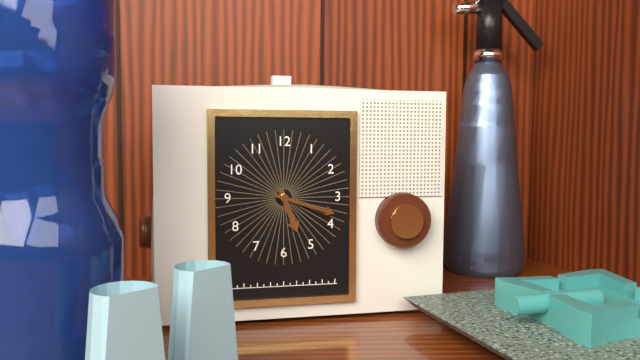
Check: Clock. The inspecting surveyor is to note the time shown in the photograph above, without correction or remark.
5:18
